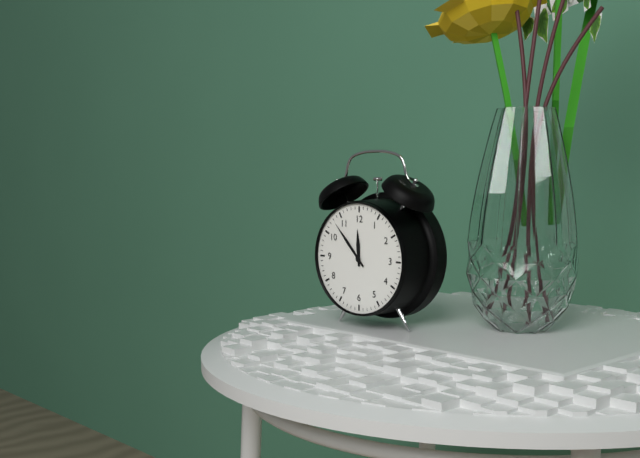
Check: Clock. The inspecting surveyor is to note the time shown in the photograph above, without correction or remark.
11:53
